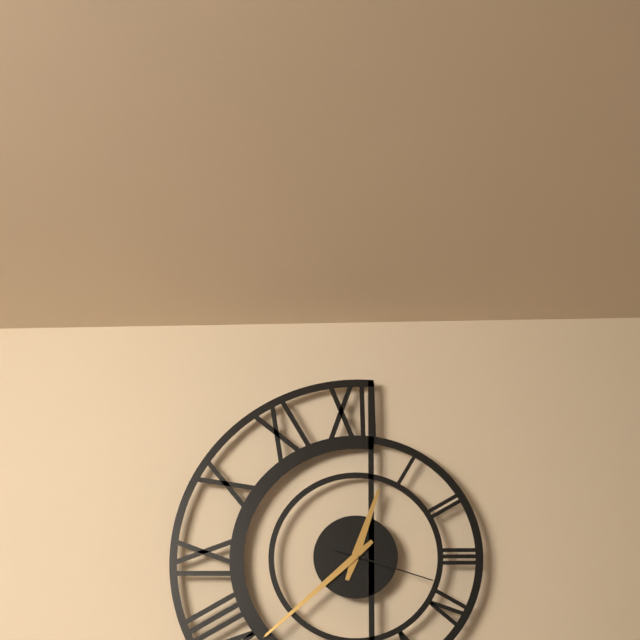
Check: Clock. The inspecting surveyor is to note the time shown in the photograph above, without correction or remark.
12:38:18
